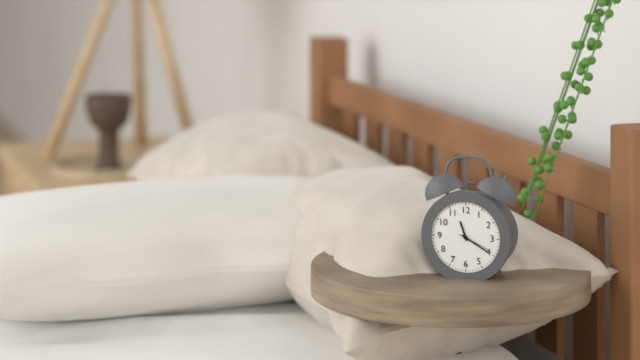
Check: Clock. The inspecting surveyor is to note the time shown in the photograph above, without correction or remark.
11:20
